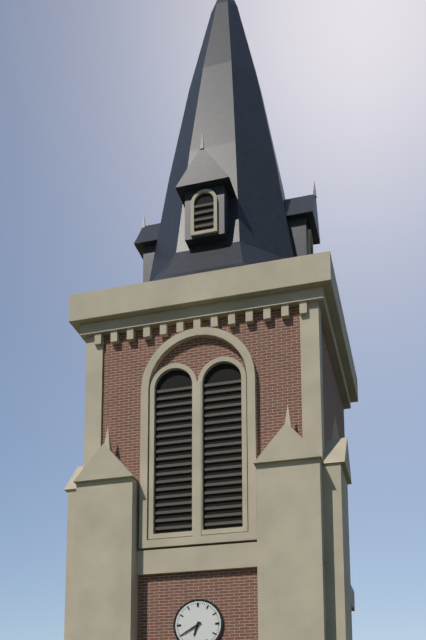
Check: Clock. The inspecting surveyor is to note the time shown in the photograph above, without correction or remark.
6:40
